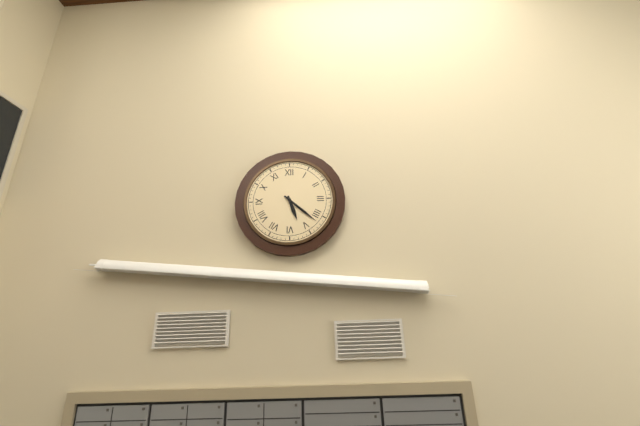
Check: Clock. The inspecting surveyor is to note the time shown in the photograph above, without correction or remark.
5:22
